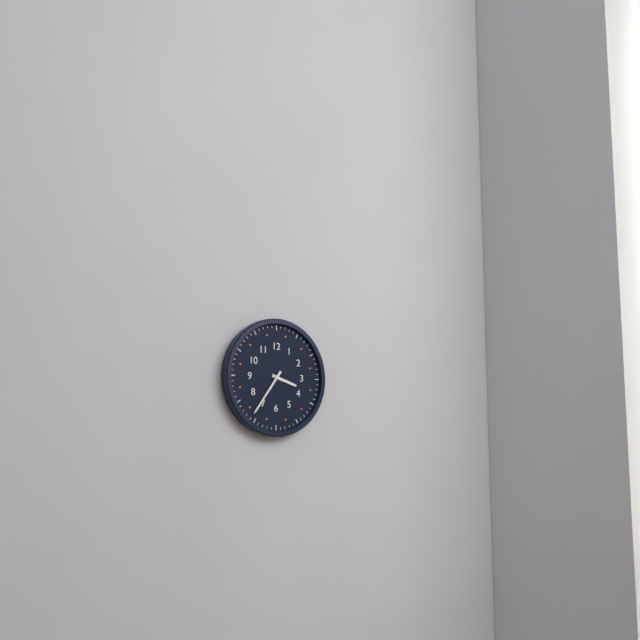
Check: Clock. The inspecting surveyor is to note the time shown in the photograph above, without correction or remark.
3:36
